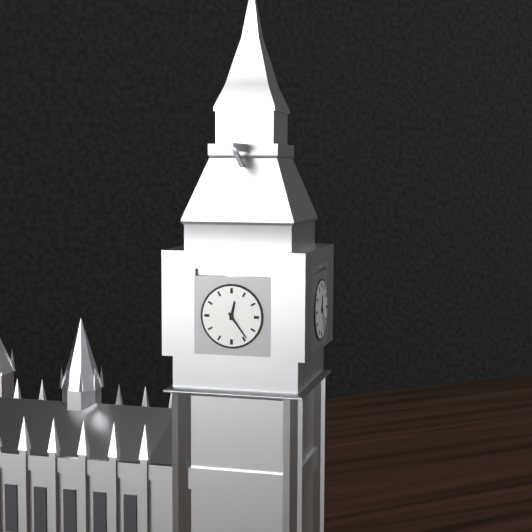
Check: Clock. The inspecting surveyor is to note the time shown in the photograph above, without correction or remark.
12:24
